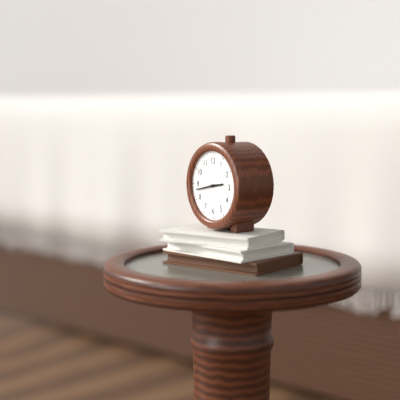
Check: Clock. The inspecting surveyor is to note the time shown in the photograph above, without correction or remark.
2:43
